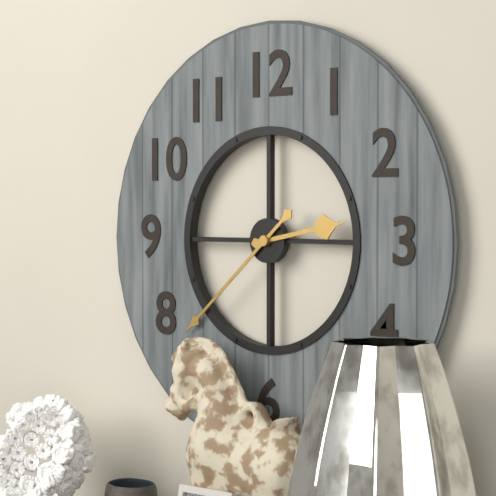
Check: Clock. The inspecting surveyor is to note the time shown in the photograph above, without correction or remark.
2:38
